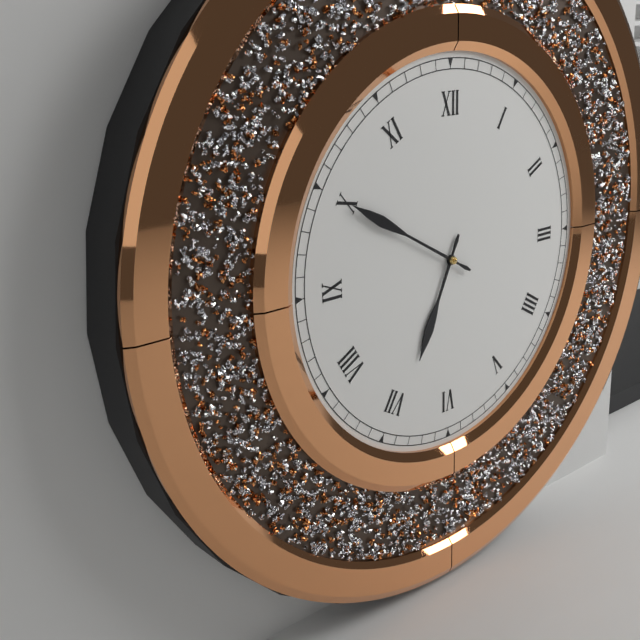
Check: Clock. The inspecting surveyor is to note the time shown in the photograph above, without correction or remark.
6:50
